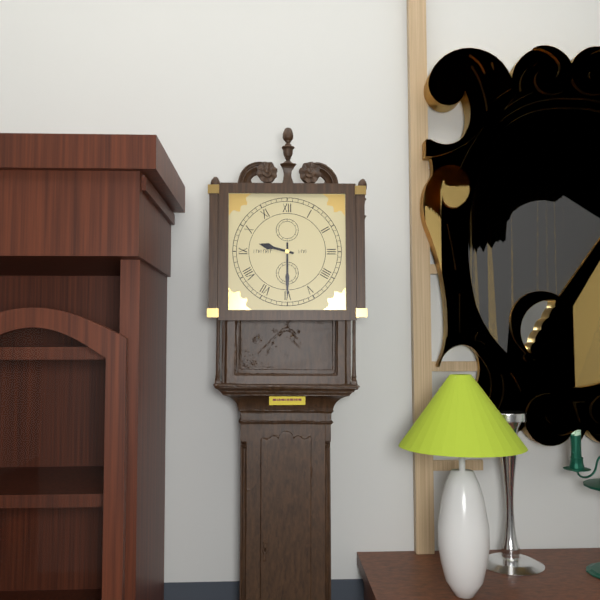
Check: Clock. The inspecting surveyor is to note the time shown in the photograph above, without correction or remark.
9:30
